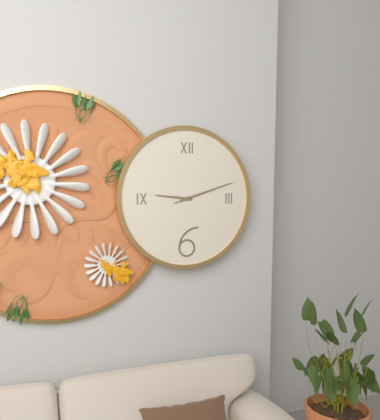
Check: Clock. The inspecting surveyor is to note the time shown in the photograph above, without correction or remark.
9:12:12
